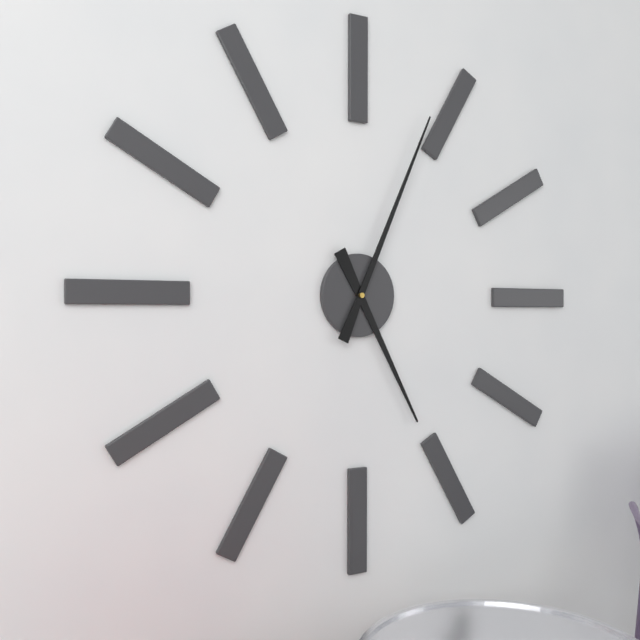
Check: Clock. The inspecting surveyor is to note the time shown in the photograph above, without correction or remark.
5:04
